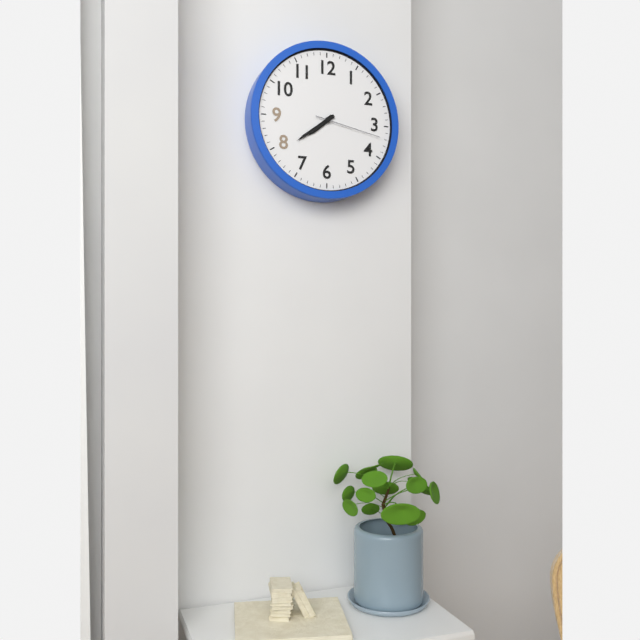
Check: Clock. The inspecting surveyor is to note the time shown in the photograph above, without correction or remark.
7:39:17
